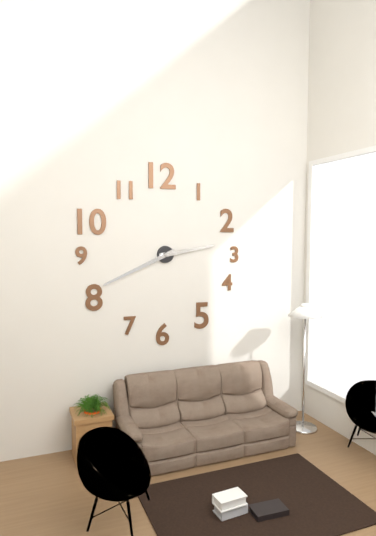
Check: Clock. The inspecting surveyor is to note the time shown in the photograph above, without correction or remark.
2:41
